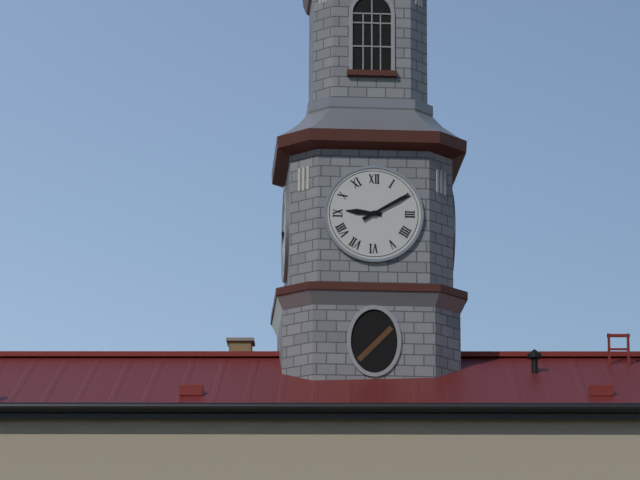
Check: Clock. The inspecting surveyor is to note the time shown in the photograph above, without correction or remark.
9:10
